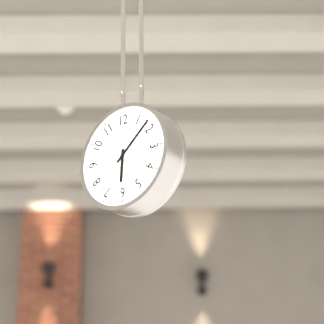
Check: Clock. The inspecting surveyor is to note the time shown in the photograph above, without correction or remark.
6:08
